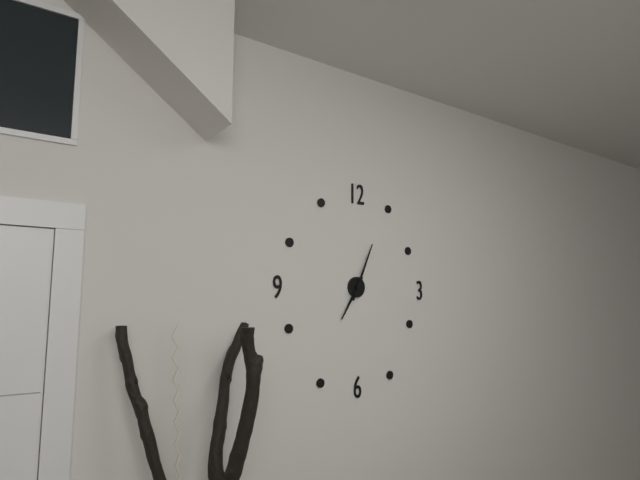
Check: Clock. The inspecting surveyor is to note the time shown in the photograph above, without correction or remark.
7:04
